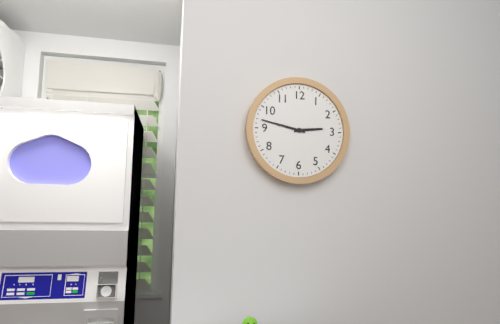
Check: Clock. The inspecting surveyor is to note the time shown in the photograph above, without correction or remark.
2:47
